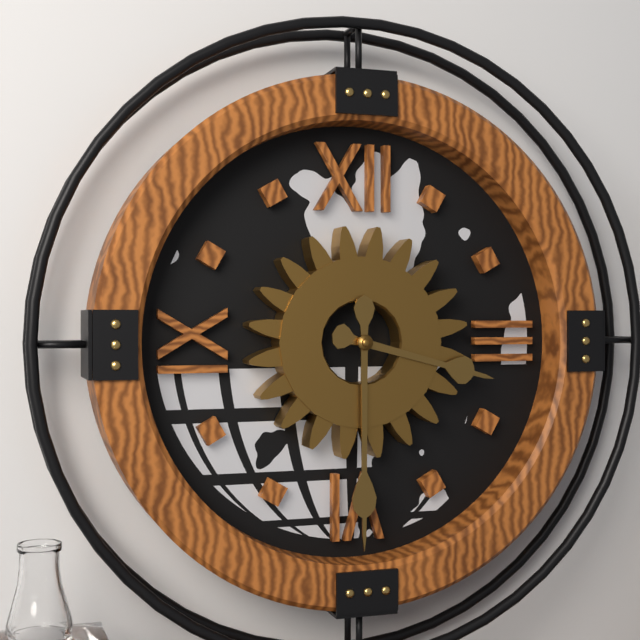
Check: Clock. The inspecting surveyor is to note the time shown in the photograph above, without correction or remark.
3:30
